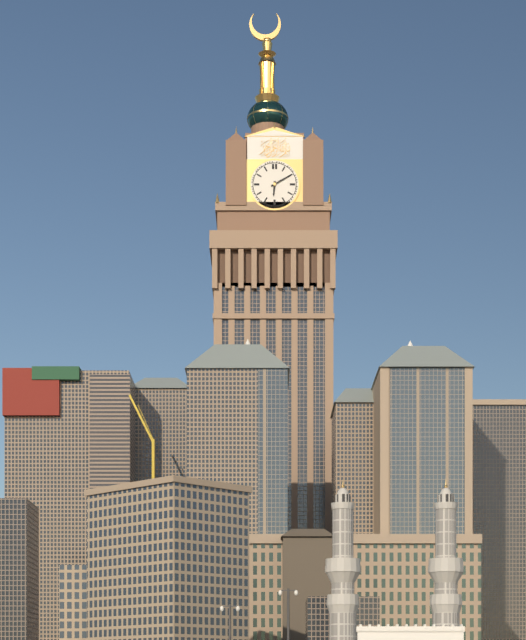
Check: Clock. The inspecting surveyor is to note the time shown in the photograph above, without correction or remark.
6:10
